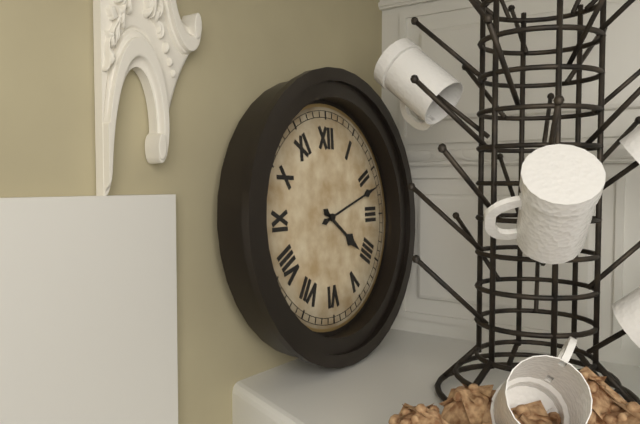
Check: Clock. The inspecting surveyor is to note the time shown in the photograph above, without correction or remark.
4:12
